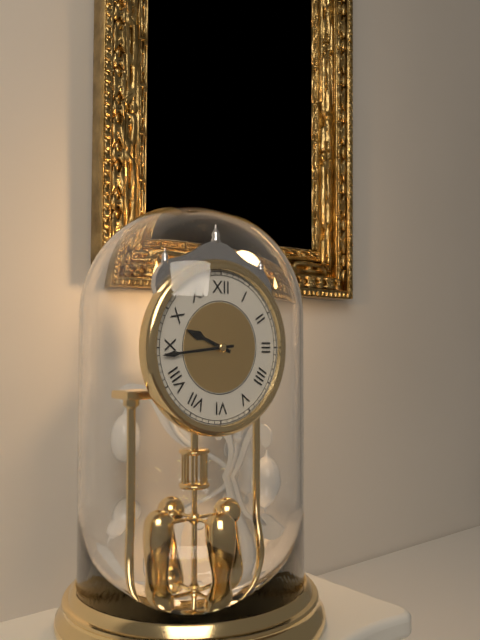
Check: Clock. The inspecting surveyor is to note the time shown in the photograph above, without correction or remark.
9:44
